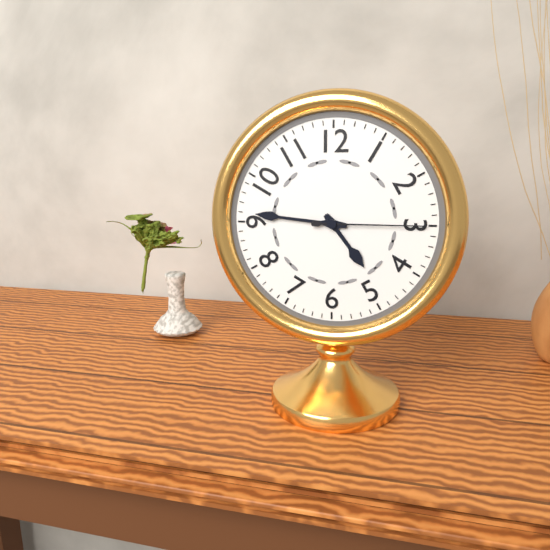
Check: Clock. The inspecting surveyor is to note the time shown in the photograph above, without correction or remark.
4:46:15
